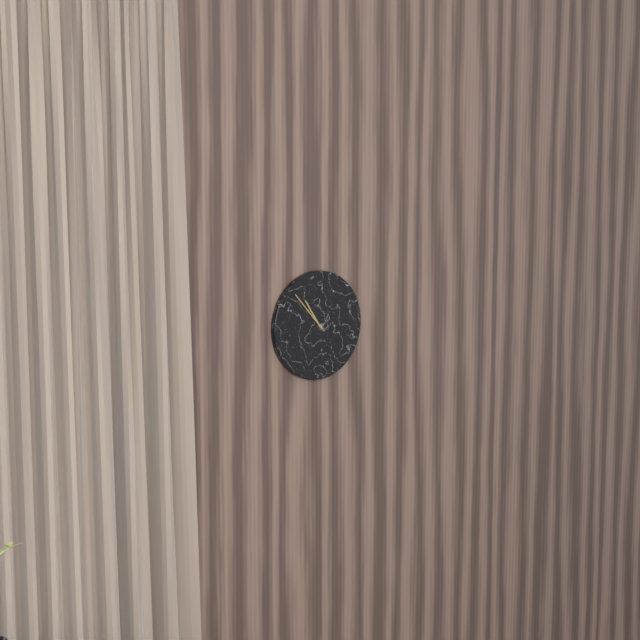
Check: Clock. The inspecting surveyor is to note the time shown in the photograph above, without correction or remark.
10:53
